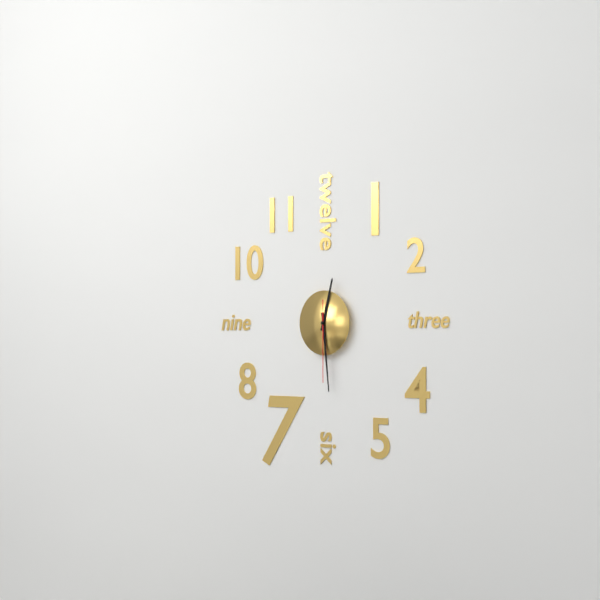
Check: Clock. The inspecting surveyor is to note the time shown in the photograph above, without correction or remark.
12:29:30
